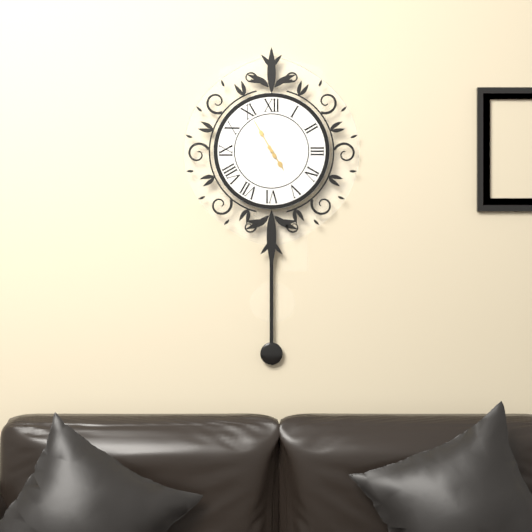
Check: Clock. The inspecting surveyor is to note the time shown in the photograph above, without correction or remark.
4:55
